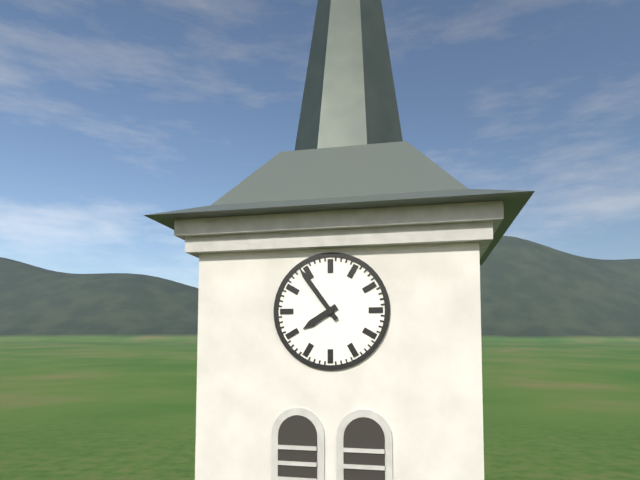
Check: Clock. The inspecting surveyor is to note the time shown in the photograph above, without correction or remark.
7:54
